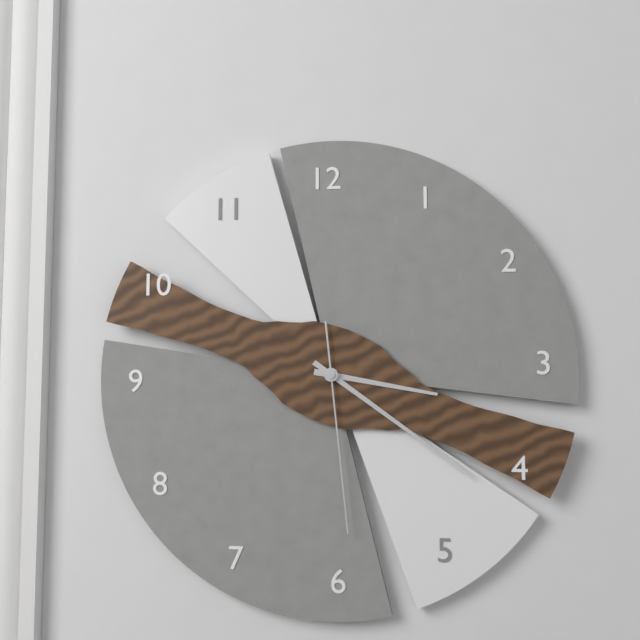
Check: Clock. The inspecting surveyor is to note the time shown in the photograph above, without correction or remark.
3:21:29
